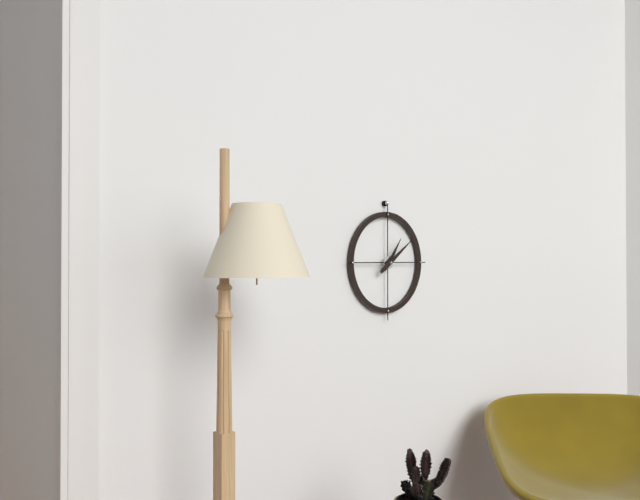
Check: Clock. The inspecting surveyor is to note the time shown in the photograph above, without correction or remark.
1:09
